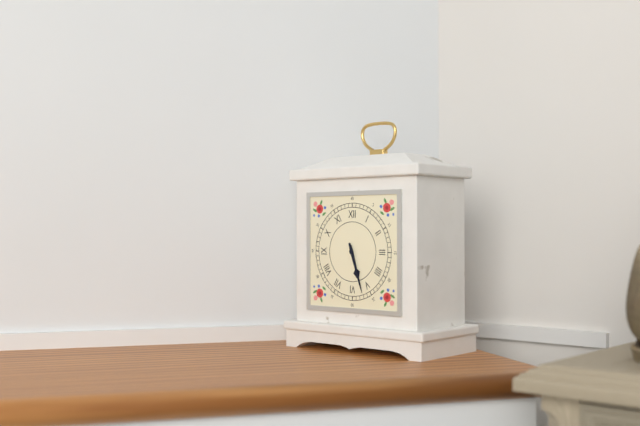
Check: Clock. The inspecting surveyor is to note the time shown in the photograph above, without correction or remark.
5:27
